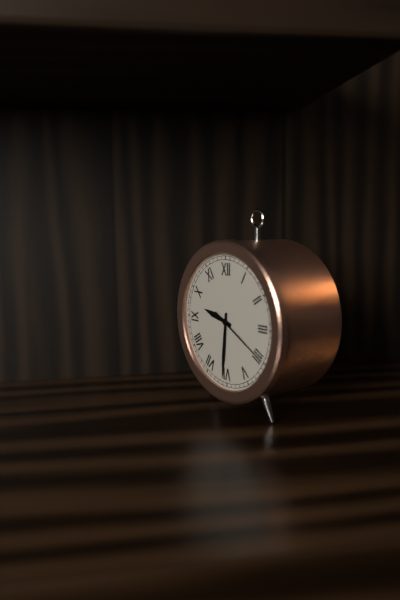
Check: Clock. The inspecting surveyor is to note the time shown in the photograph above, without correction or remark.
9:31:20
